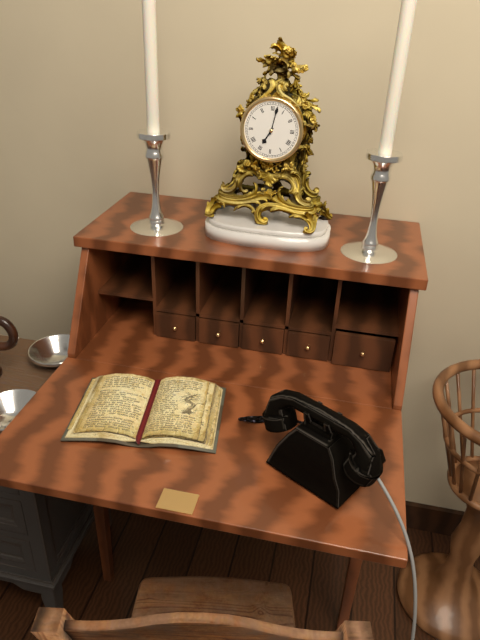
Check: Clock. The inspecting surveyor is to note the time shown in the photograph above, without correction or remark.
7:02
